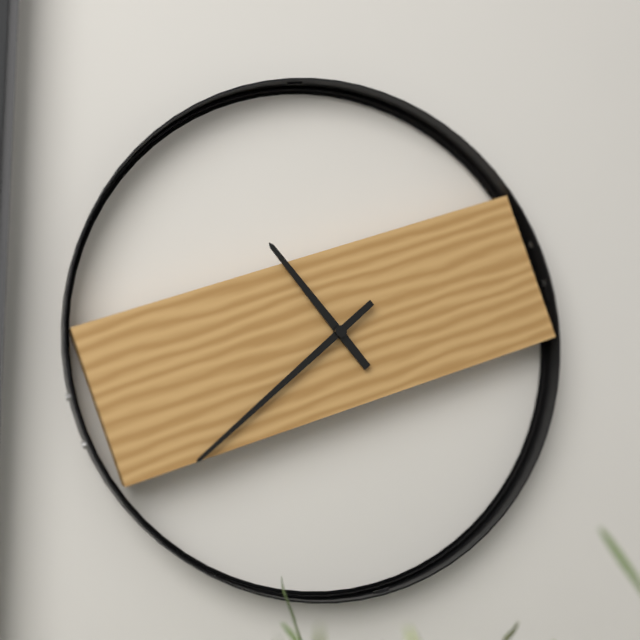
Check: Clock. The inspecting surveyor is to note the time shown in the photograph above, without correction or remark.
10:38
